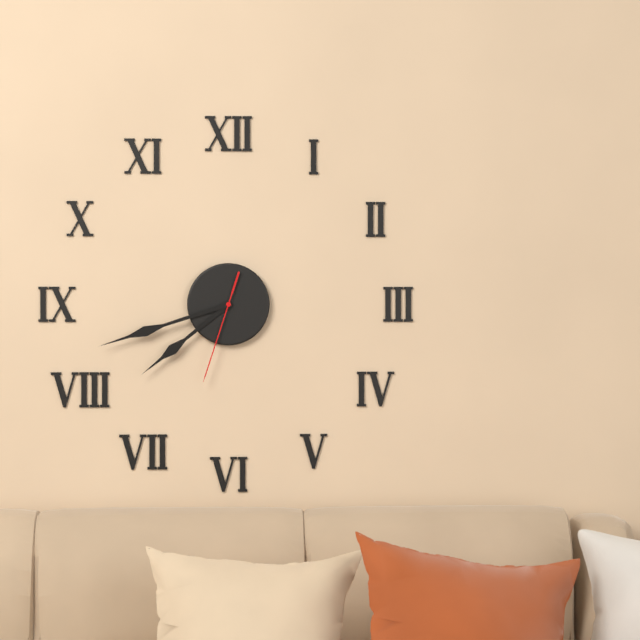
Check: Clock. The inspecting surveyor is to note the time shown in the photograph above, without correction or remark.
7:42:33
